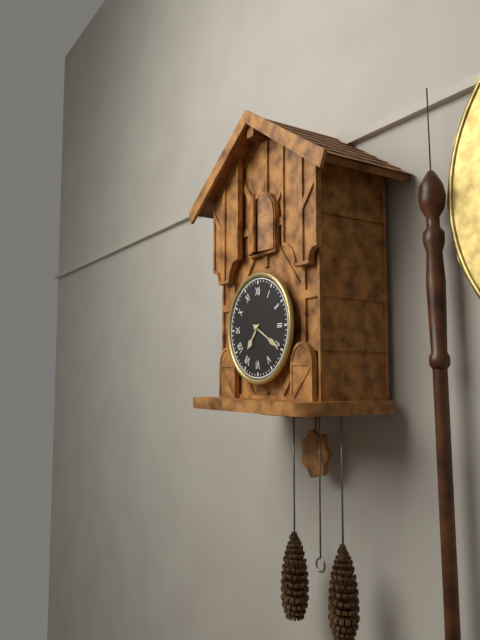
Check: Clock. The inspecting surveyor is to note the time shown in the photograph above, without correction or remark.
7:20
